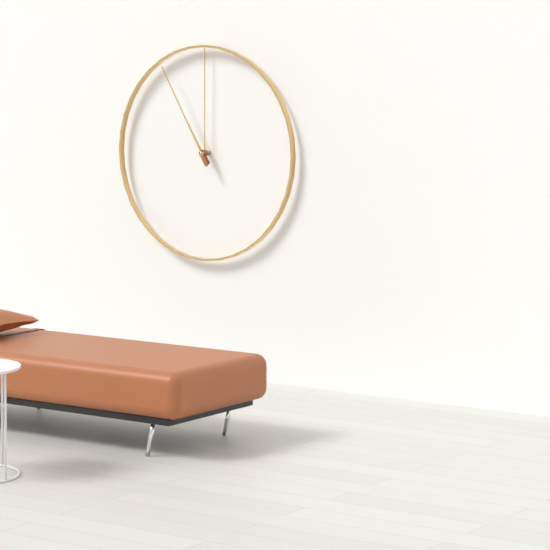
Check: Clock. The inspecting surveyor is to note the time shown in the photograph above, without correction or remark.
10:55
